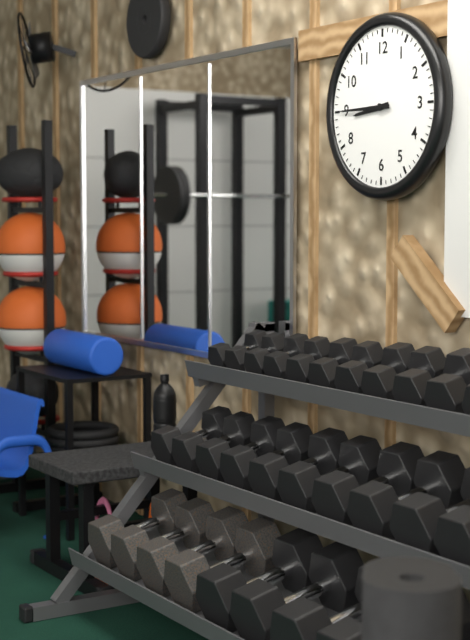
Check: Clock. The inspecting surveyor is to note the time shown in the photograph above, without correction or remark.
8:45
